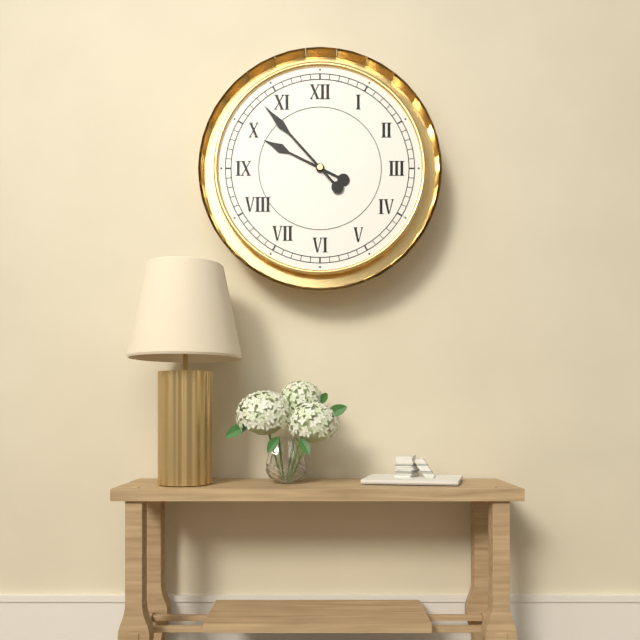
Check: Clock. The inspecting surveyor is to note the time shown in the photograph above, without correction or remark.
9:53
